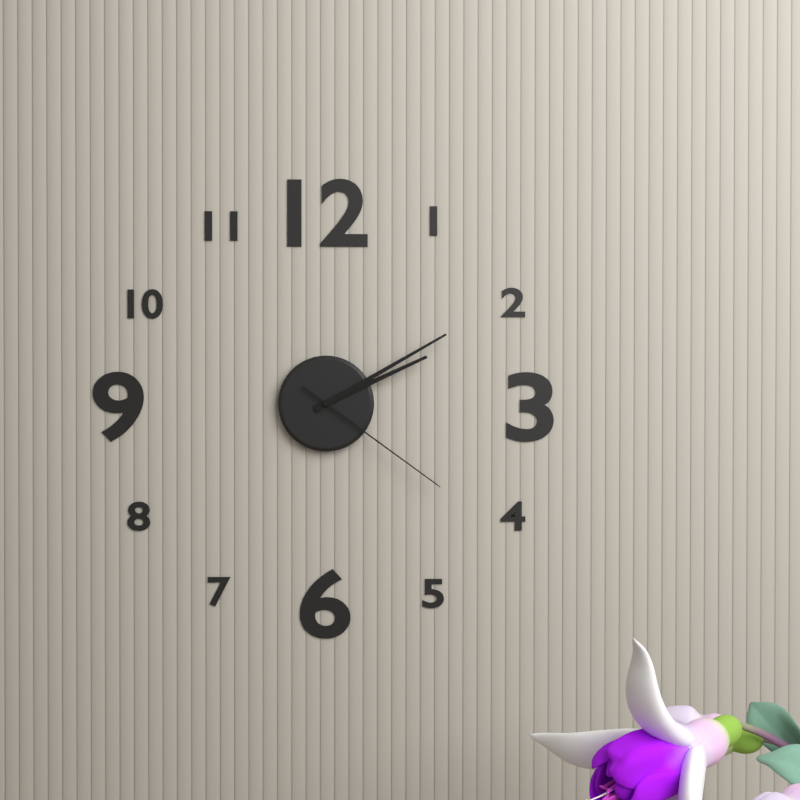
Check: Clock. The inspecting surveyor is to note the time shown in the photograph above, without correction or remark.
2:10:21
